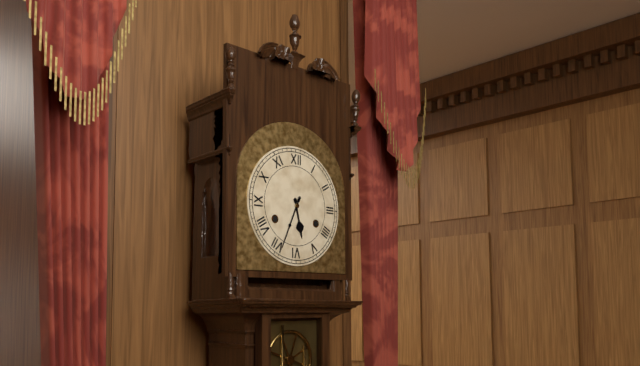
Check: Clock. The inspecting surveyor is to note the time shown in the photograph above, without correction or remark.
5:34
